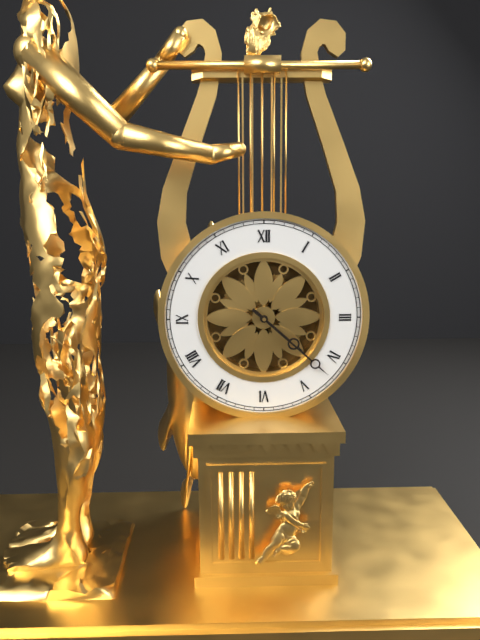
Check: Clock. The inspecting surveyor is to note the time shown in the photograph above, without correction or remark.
4:22
